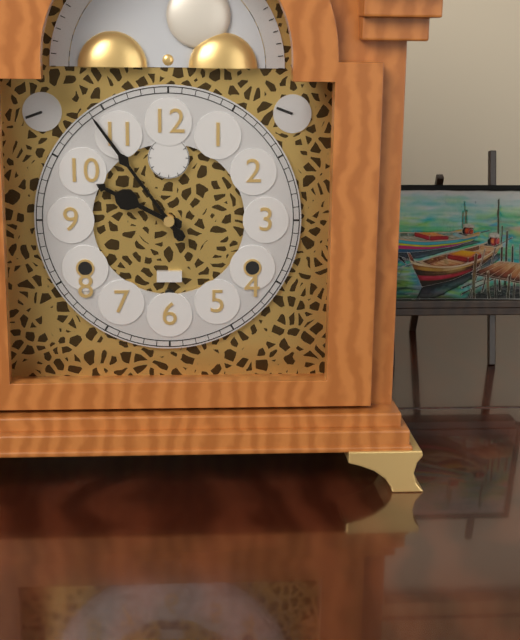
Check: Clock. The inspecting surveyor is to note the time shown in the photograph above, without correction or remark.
9:54
